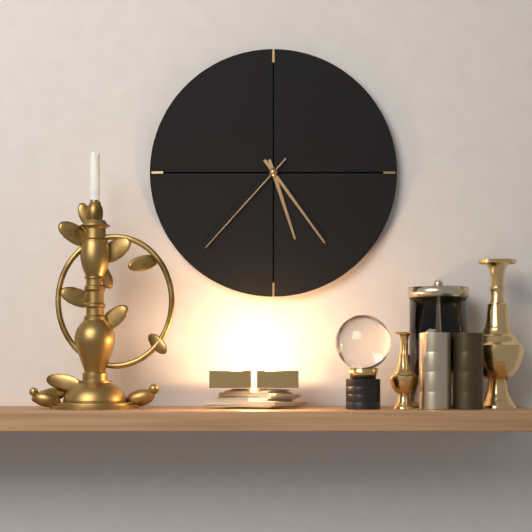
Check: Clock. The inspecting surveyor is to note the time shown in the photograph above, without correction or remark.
5:24:37
